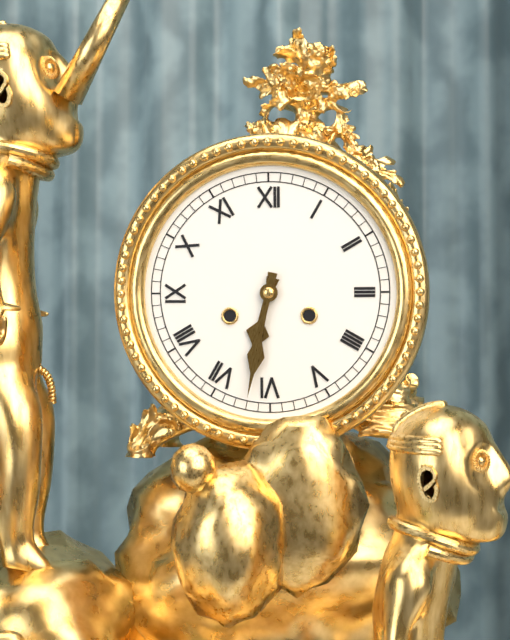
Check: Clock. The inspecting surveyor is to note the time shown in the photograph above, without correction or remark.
6:32
